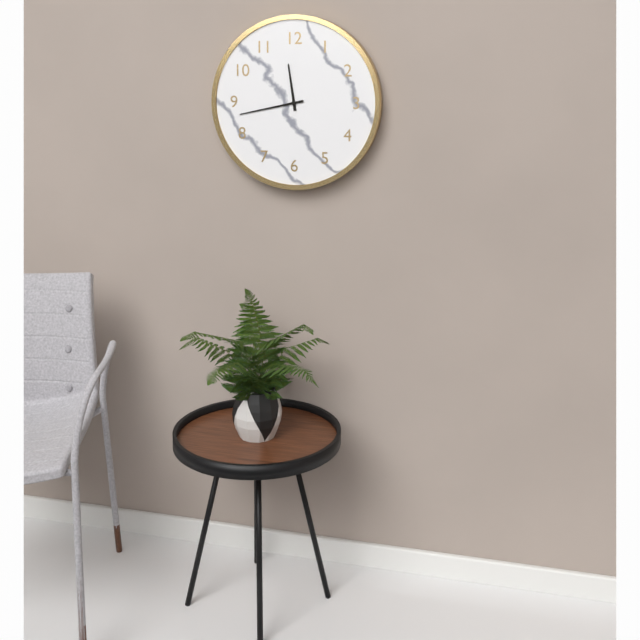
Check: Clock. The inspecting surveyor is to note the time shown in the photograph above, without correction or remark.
11:43
